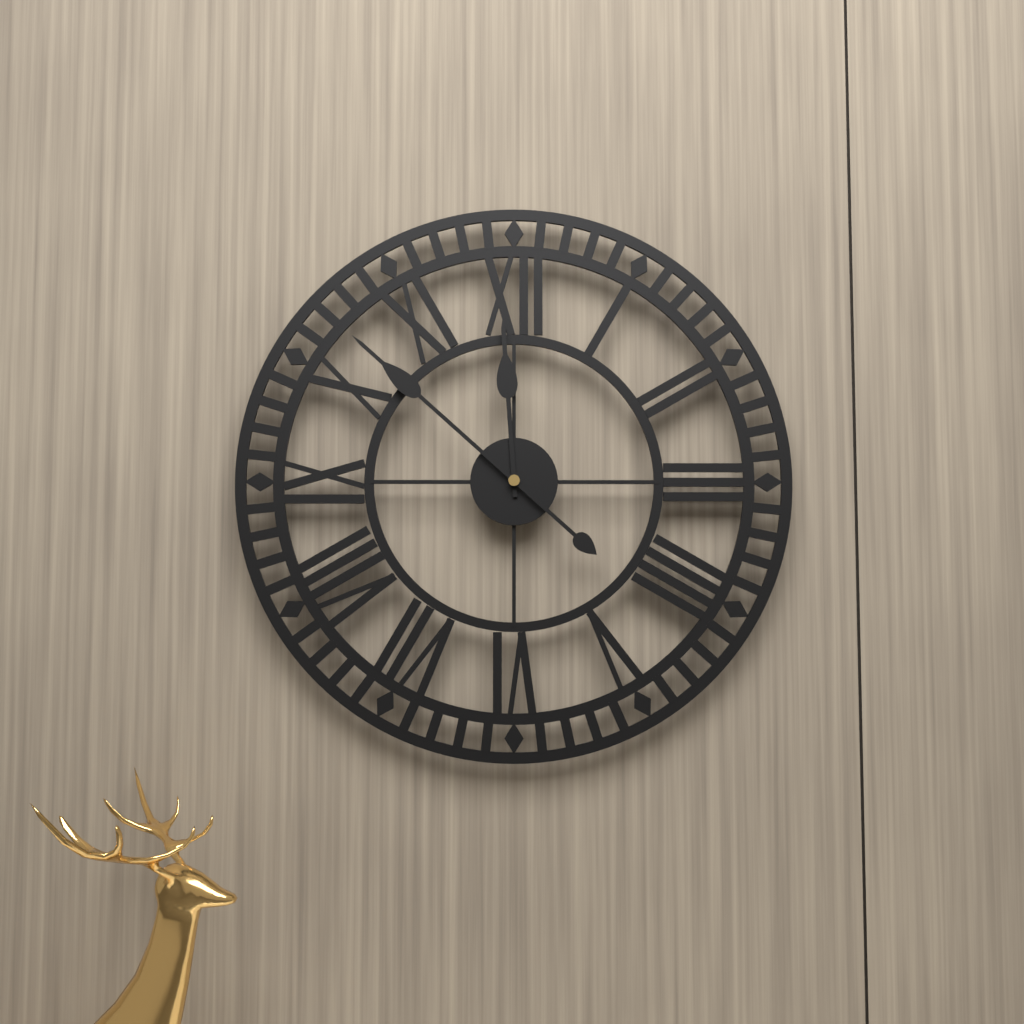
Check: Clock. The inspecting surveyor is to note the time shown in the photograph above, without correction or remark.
11:52
